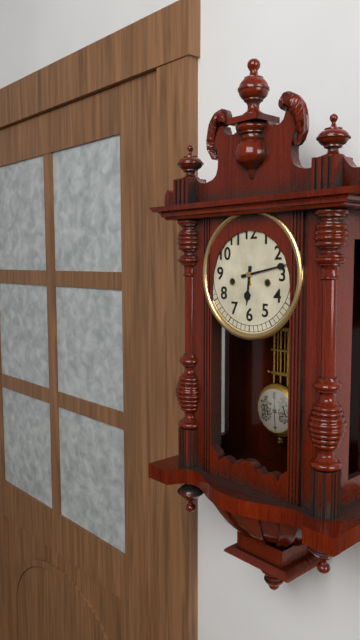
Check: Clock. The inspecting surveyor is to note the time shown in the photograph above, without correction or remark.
6:13
